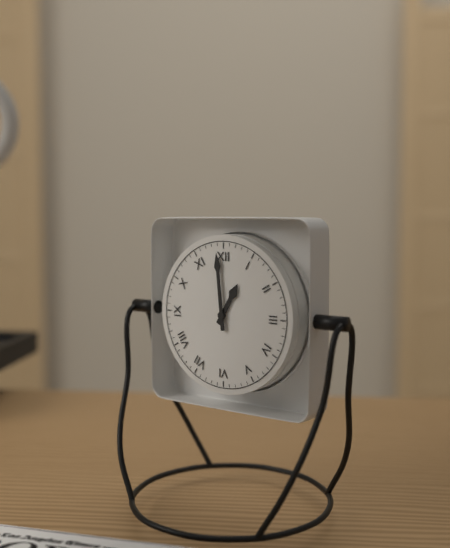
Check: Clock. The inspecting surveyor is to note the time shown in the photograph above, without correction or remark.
12:59
